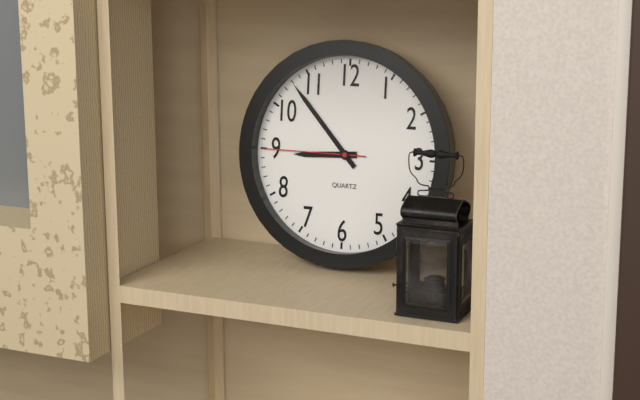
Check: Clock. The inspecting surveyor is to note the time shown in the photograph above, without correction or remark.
8:53:45
